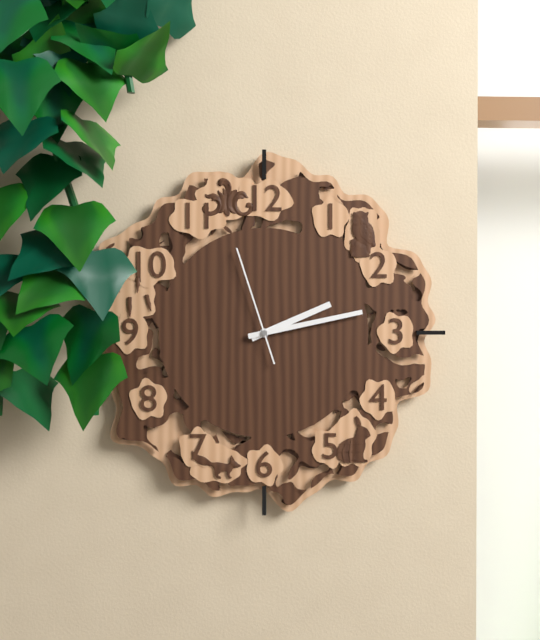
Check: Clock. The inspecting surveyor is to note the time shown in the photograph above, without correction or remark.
2:13:57
